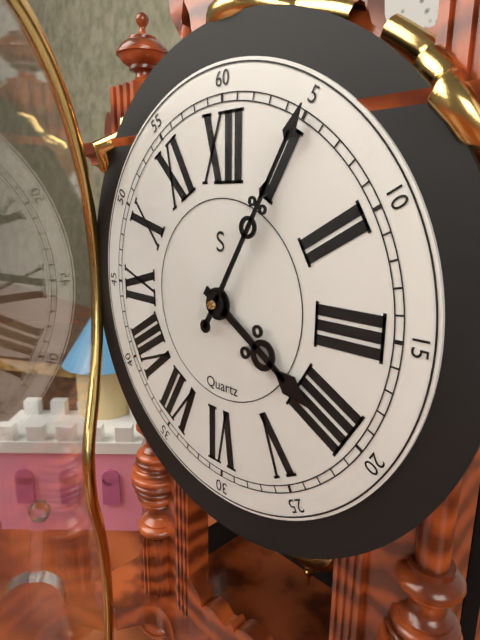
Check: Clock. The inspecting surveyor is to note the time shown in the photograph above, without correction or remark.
4:05
